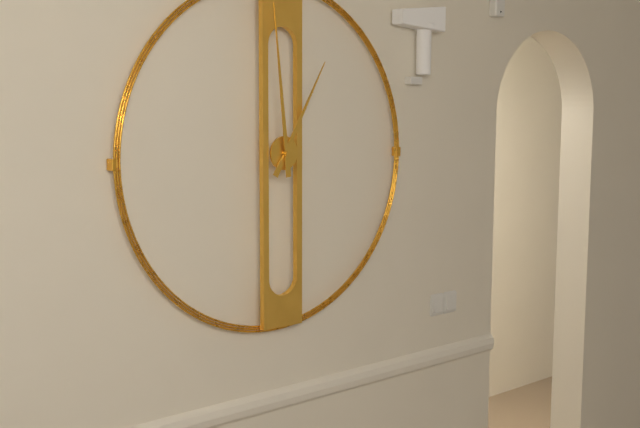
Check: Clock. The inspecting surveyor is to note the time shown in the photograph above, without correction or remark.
12:59
